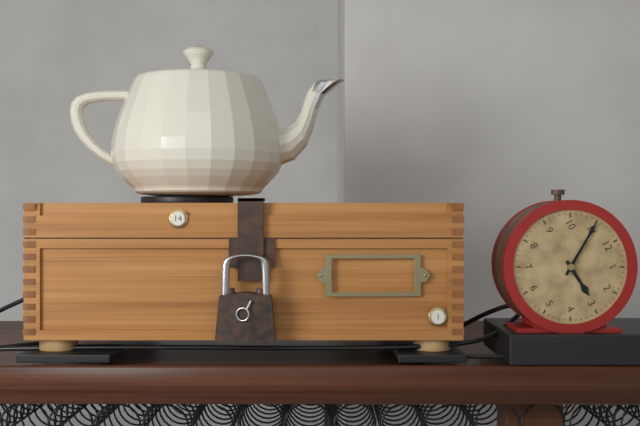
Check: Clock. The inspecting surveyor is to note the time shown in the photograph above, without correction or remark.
2:55
